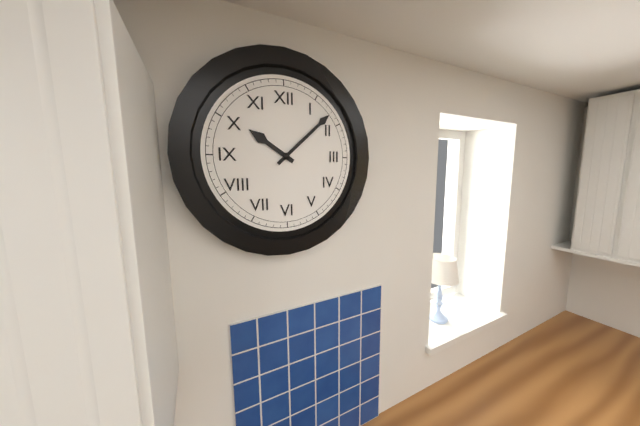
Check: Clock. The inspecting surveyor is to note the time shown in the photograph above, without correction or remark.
10:08
